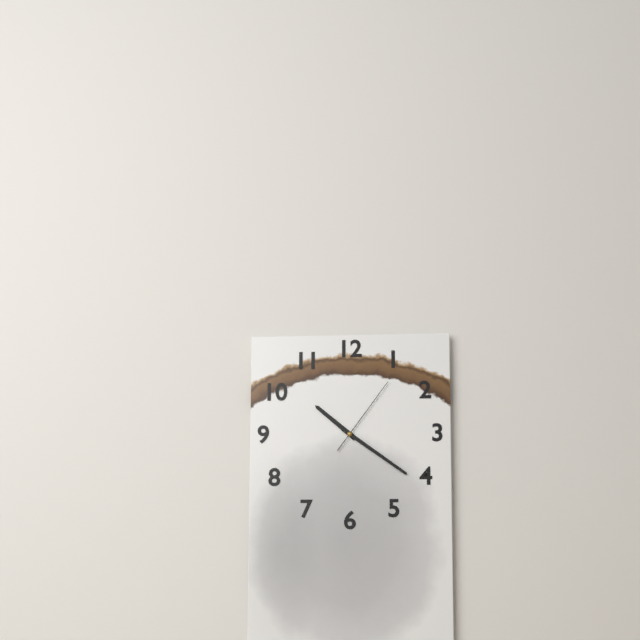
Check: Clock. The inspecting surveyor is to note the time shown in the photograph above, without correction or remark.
10:21:06
